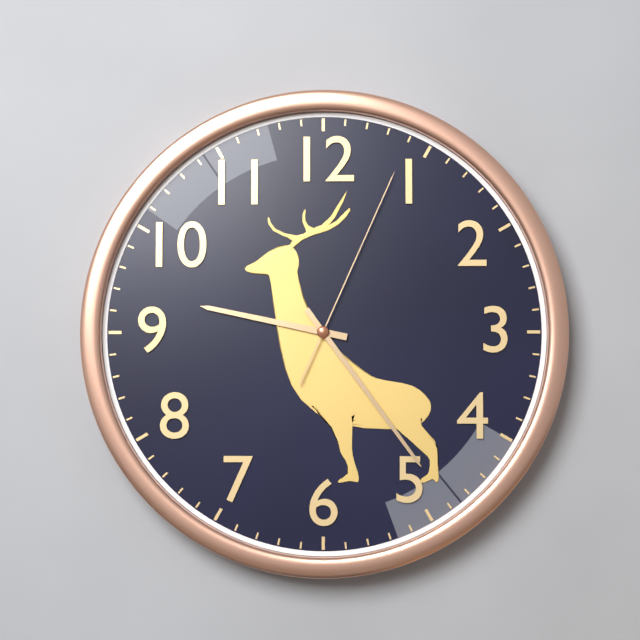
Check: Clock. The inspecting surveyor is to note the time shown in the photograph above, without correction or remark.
9:24:04
